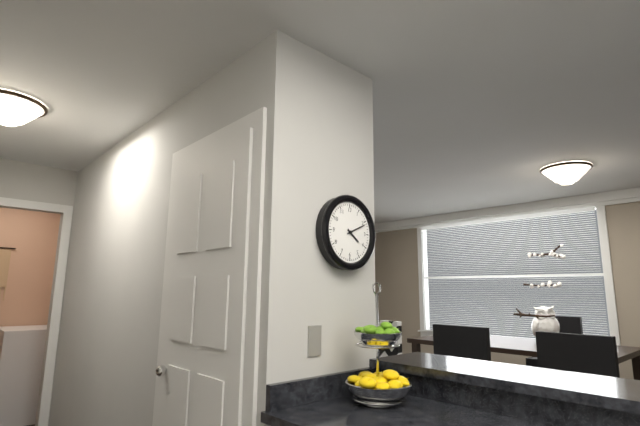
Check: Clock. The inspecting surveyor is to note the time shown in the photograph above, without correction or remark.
4:11
